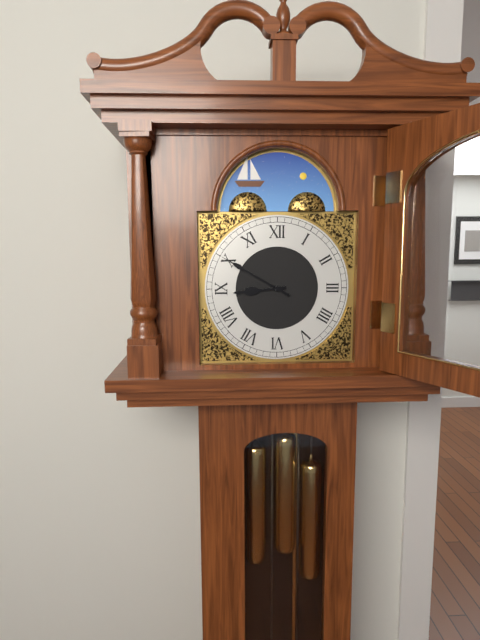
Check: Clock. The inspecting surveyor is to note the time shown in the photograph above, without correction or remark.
8:50
